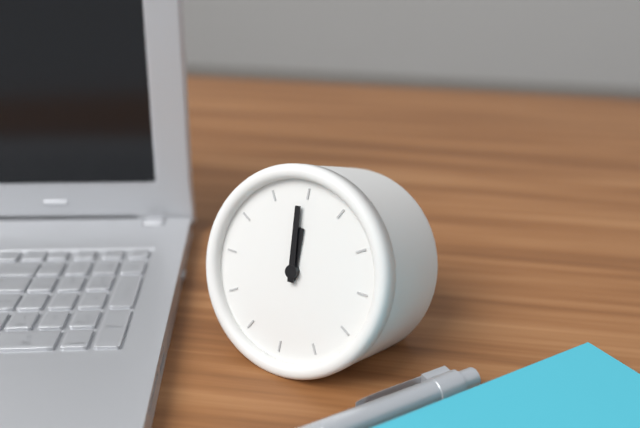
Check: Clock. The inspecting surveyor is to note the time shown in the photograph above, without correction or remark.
11:59
